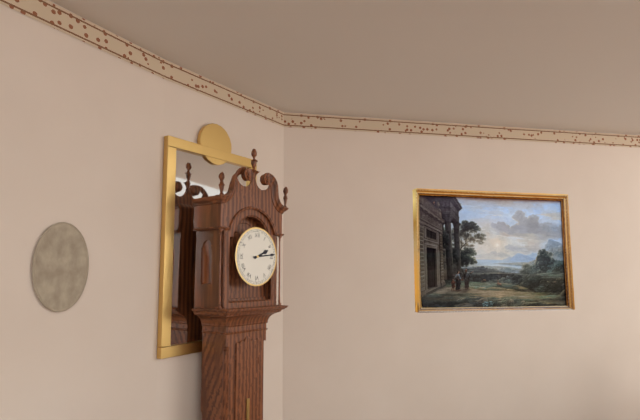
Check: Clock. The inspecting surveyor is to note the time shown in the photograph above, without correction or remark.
2:14
